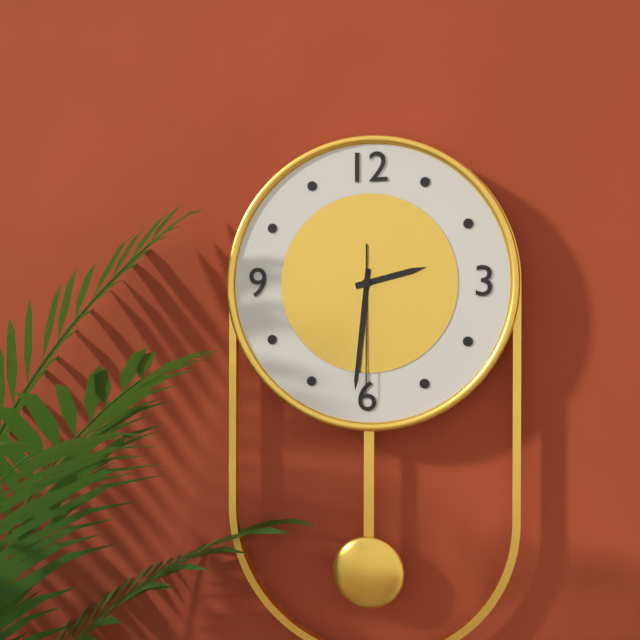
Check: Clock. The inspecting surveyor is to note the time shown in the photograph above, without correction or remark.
2:31:30
